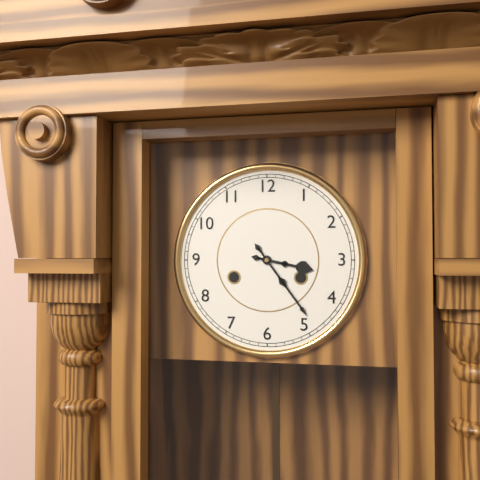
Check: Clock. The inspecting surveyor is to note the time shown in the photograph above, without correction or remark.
3:24
